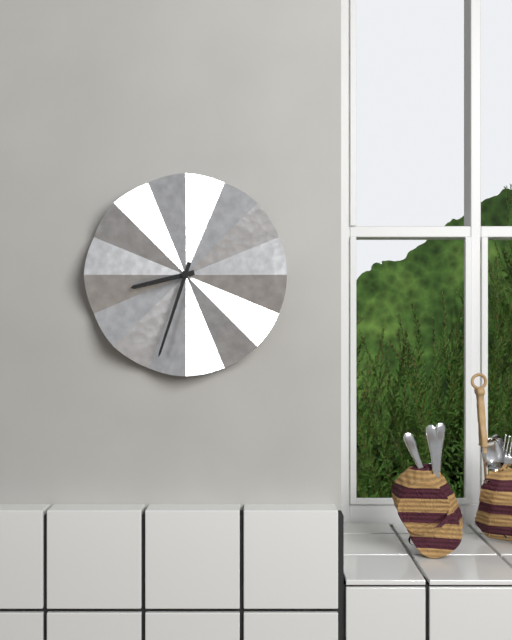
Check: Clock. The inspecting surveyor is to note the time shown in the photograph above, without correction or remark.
8:33
